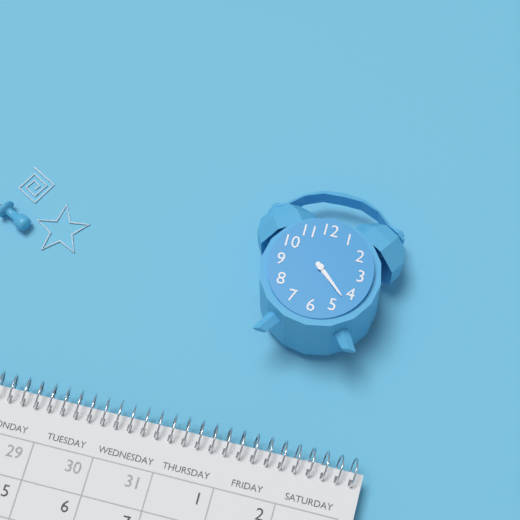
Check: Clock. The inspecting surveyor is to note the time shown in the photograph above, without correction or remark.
4:22
